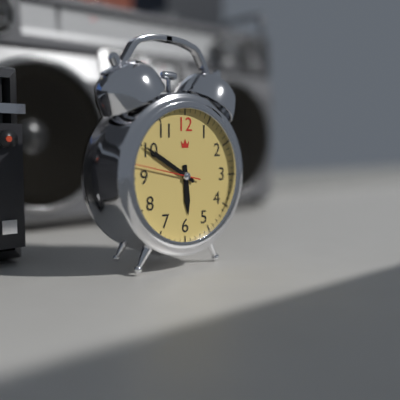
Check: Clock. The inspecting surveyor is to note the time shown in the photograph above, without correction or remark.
5:50:47
